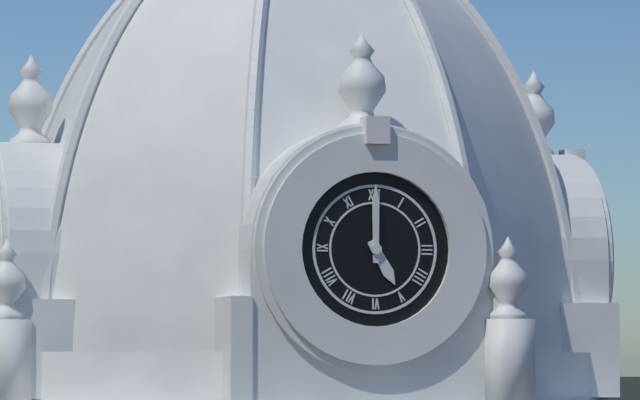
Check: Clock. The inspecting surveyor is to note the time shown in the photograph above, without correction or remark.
5:00
